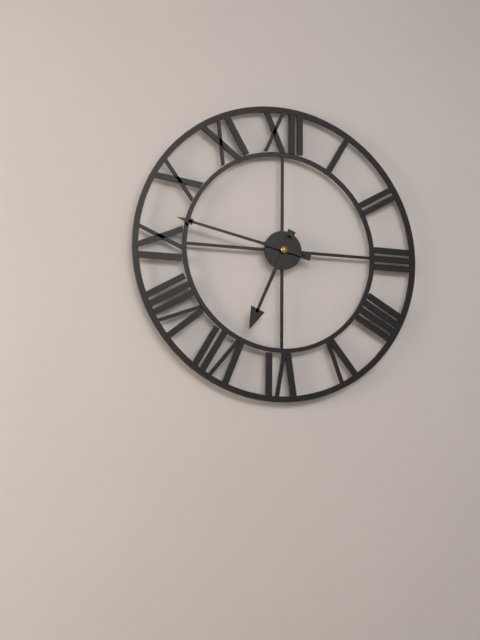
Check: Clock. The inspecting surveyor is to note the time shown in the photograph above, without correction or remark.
6:47
